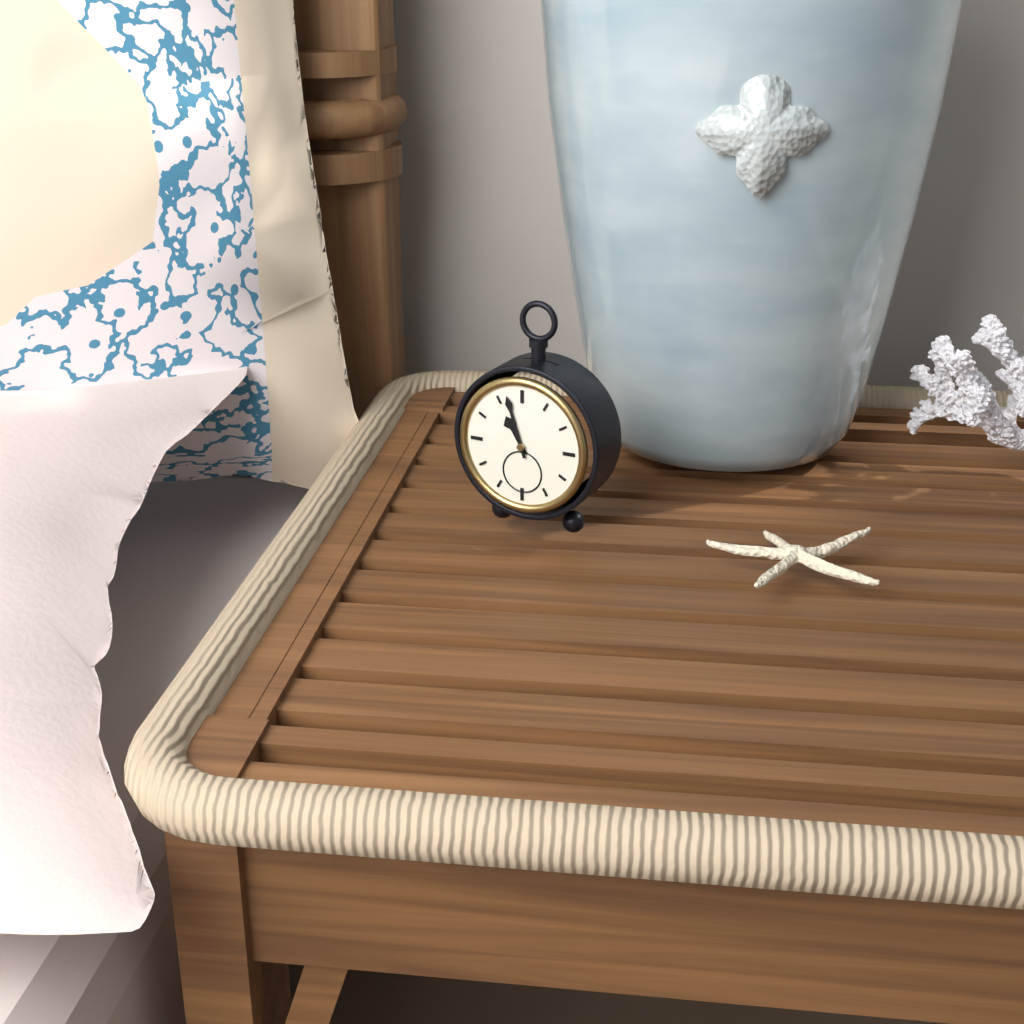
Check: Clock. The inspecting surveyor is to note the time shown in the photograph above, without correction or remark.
10:57
